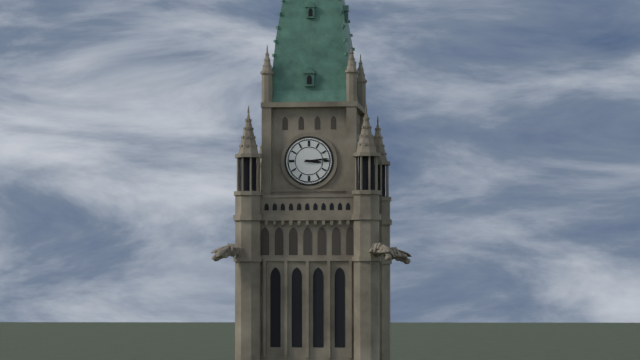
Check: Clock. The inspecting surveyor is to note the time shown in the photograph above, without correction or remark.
3:14
